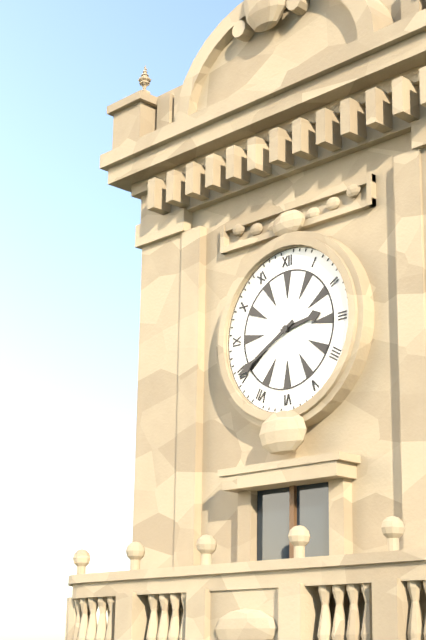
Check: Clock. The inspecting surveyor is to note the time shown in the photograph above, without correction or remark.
2:40
